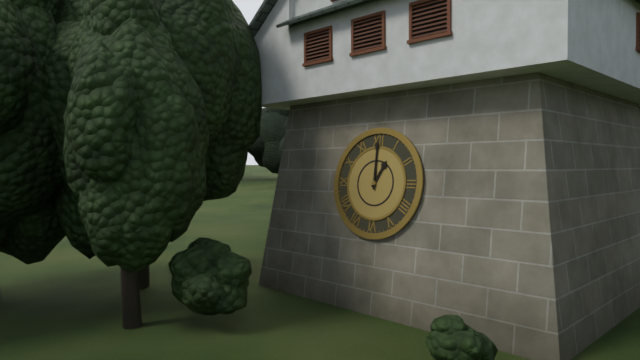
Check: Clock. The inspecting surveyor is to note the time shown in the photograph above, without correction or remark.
1:00
